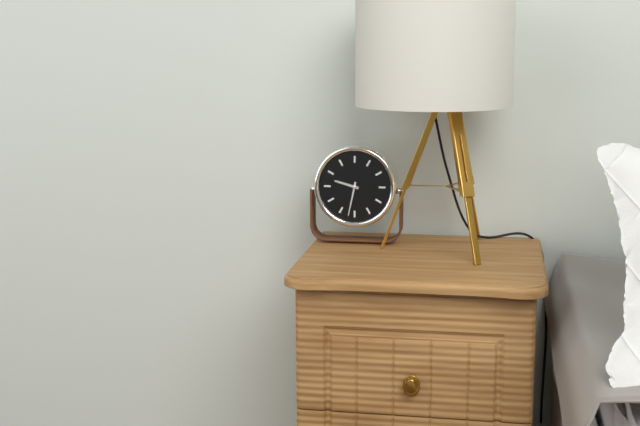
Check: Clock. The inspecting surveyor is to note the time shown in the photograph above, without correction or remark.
9:32
